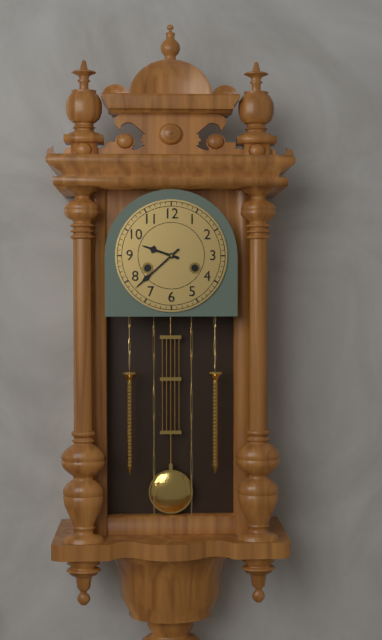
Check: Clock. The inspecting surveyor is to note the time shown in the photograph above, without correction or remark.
9:38
